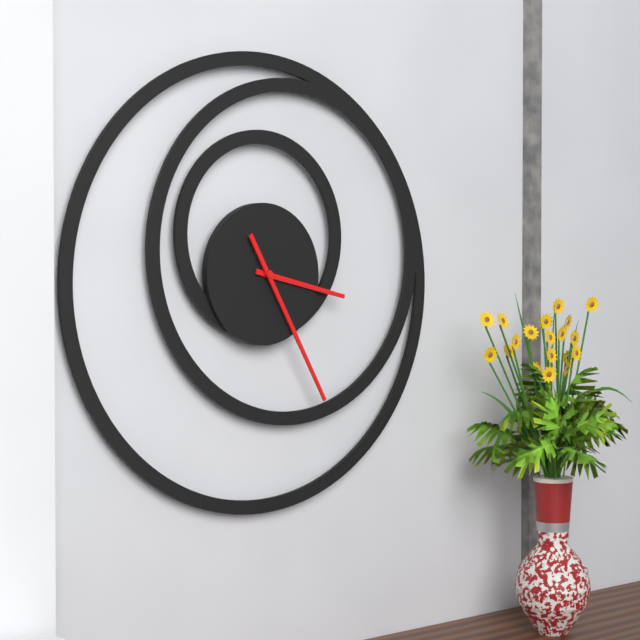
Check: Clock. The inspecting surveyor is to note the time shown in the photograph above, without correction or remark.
3:25
